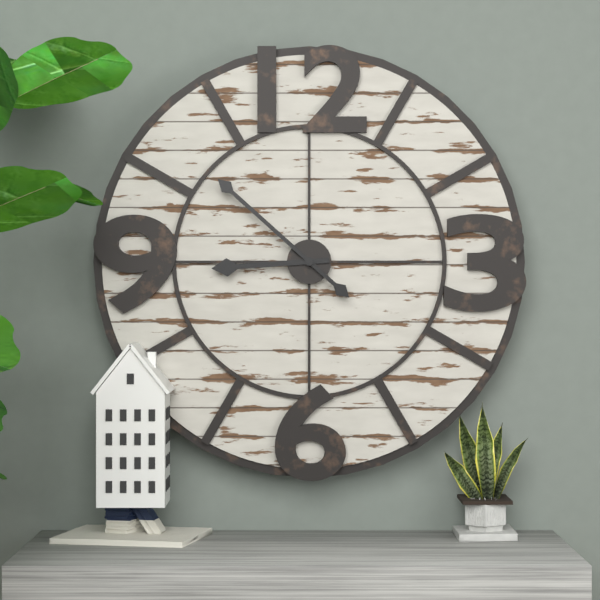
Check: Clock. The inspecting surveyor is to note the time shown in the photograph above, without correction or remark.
8:52
